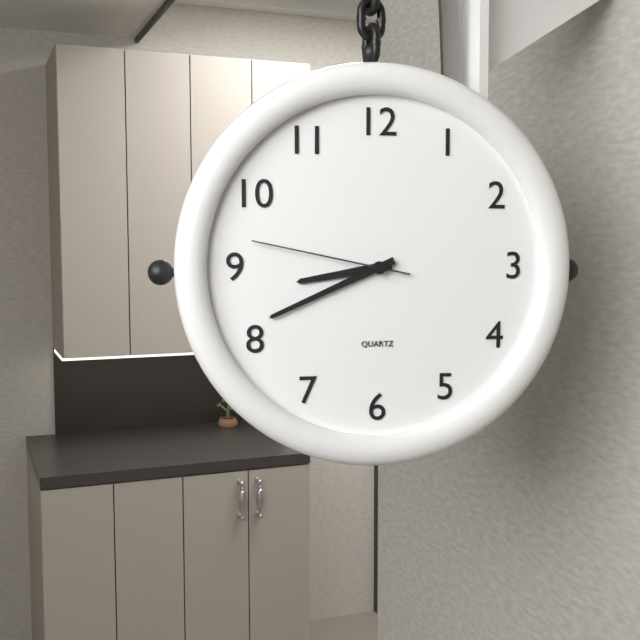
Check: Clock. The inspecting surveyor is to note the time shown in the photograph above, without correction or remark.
8:41:47
